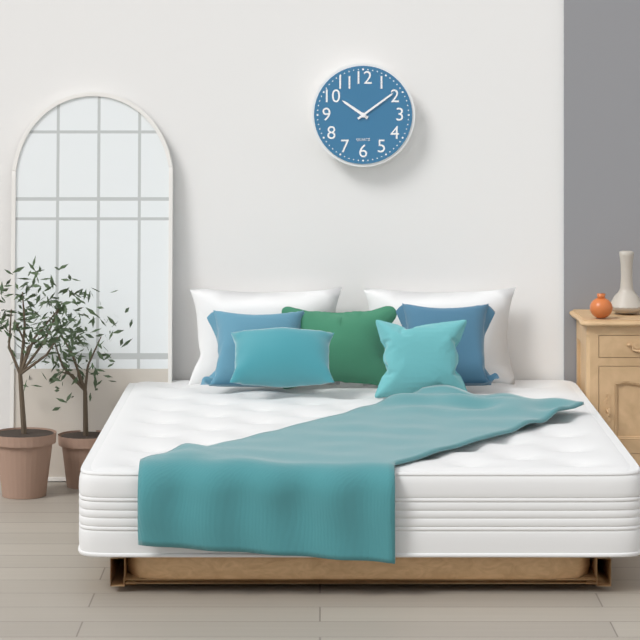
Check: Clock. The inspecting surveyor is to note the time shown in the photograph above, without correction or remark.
10:09
